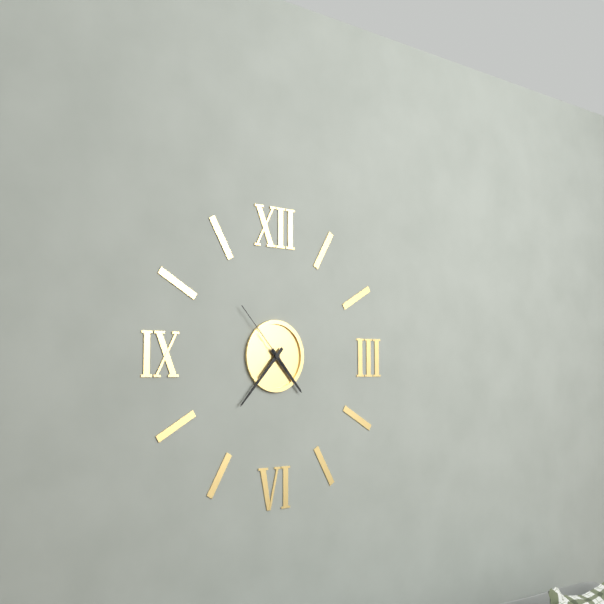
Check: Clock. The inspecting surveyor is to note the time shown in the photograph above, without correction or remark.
4:37:53
